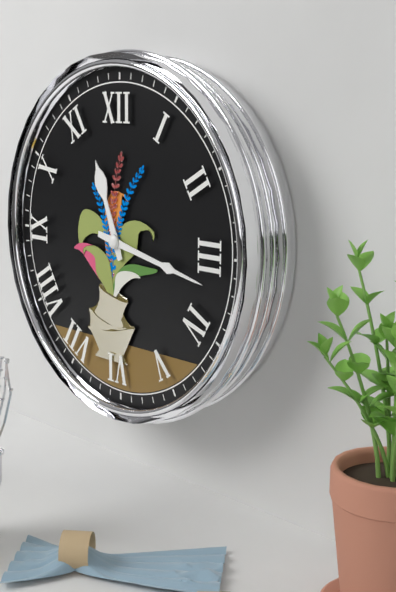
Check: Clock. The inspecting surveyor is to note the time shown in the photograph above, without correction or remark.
11:17
